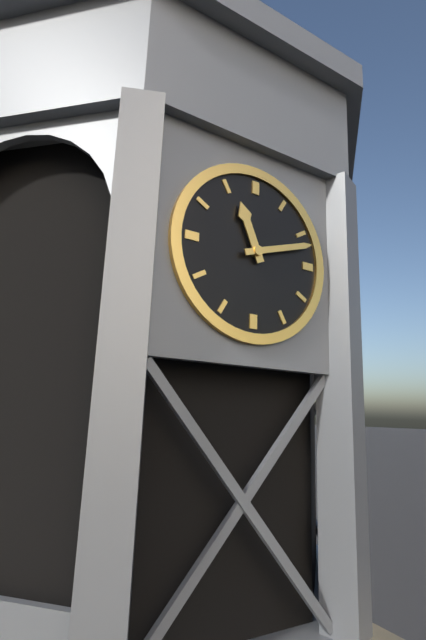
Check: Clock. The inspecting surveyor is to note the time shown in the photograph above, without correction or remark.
11:12
